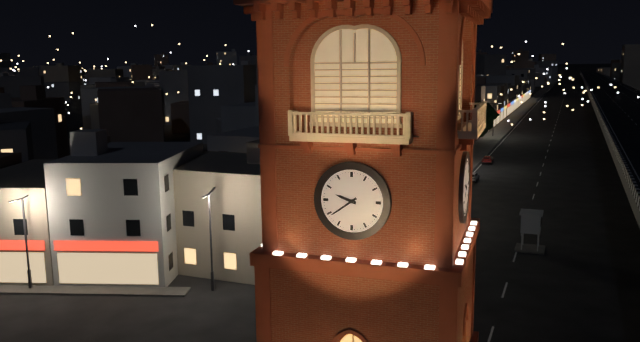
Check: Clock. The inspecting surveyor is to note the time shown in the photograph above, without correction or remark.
9:39
